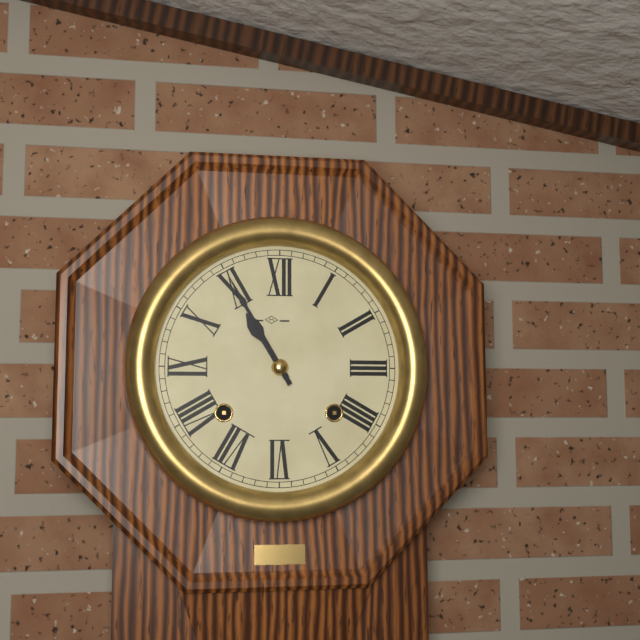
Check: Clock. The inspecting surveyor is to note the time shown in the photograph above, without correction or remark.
10:55
